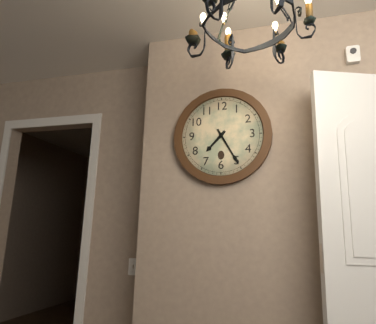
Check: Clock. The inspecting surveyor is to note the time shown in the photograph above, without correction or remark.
7:25
